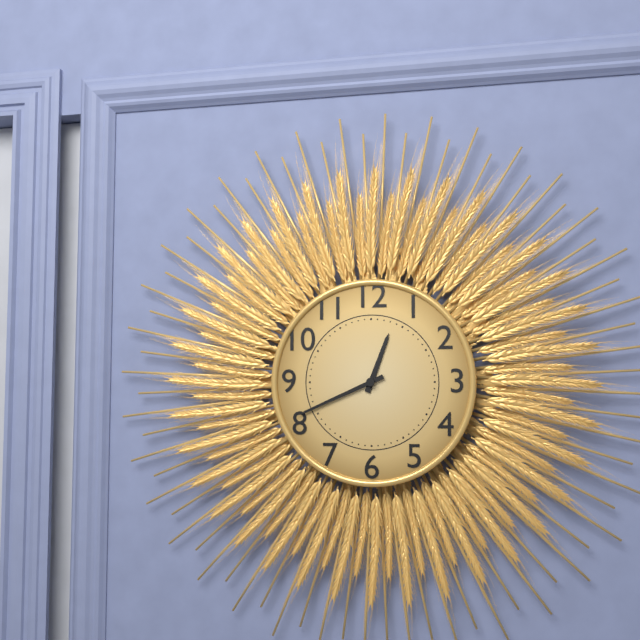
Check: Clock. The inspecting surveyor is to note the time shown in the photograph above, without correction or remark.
12:41
